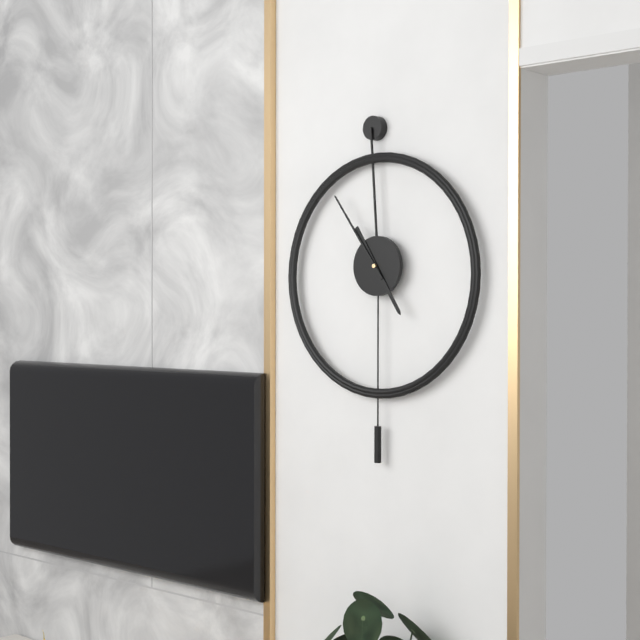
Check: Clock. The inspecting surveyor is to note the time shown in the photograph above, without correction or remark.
4:54
